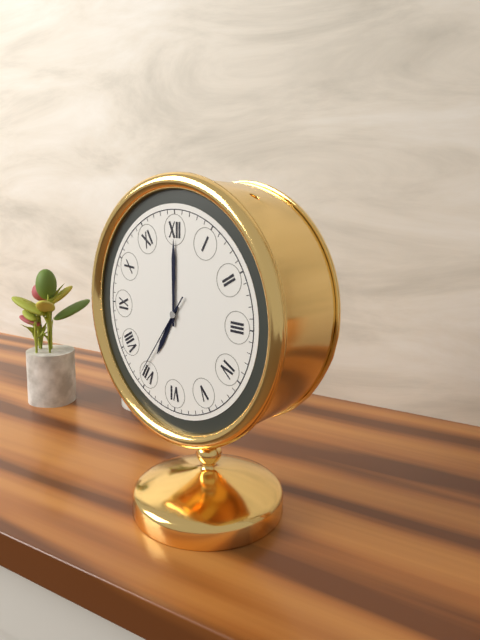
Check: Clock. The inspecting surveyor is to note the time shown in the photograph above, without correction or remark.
7:00:36
